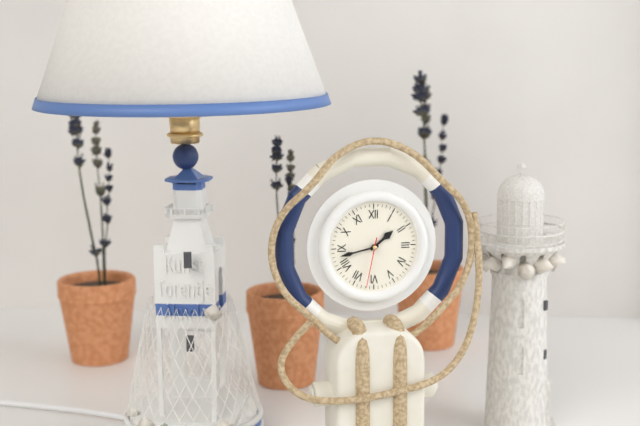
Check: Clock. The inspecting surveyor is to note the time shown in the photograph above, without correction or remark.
1:43:32
